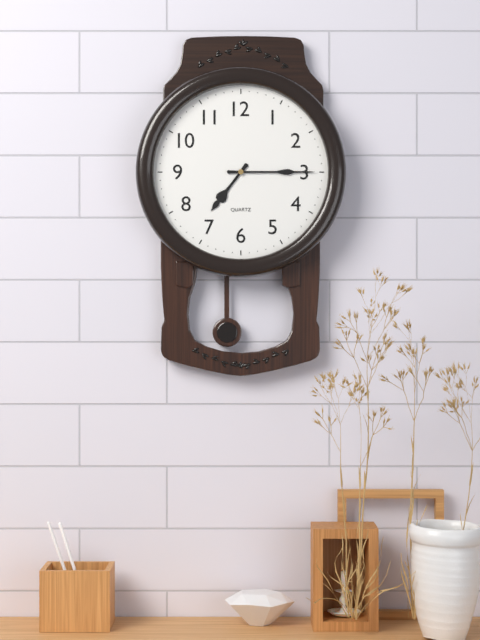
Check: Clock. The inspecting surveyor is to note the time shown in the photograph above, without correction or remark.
7:15
